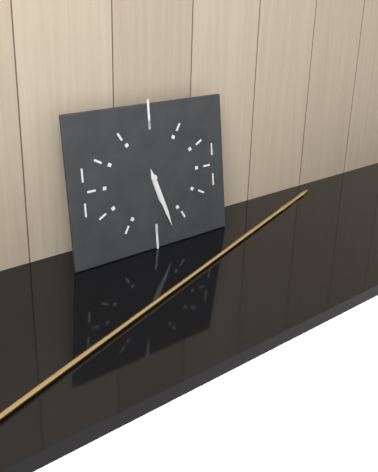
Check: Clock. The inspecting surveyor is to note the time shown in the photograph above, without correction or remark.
5:27
